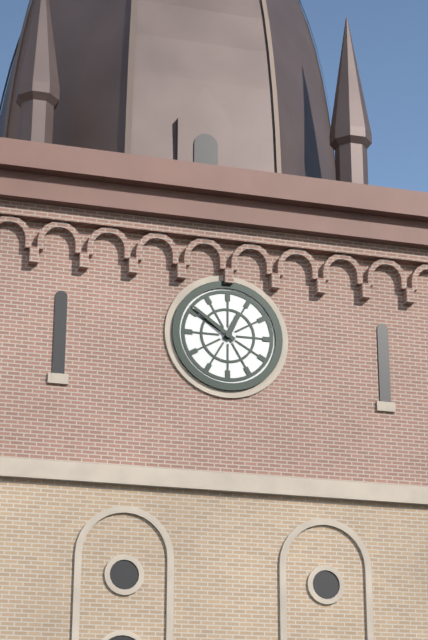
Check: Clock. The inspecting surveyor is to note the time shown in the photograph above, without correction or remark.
12:51
